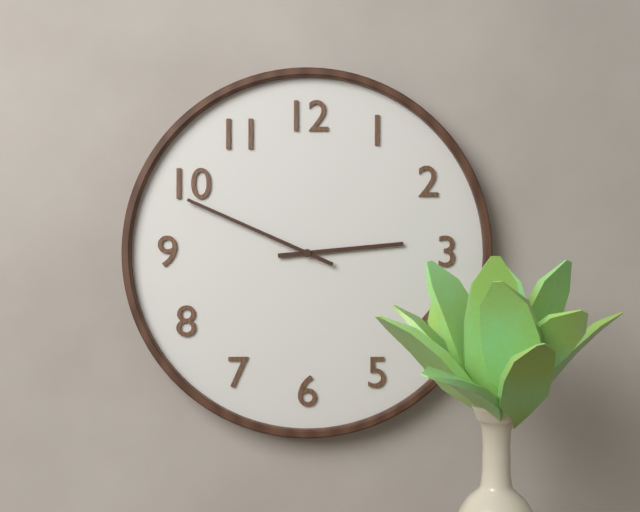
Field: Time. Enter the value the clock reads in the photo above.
2:49
